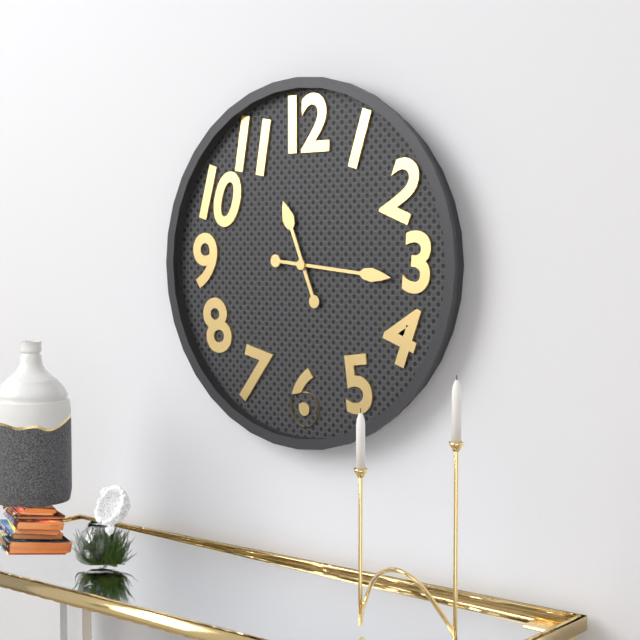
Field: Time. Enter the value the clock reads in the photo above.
11:16
